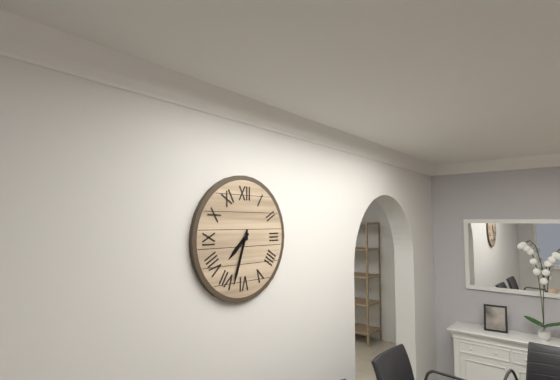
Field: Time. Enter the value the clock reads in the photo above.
7:33
